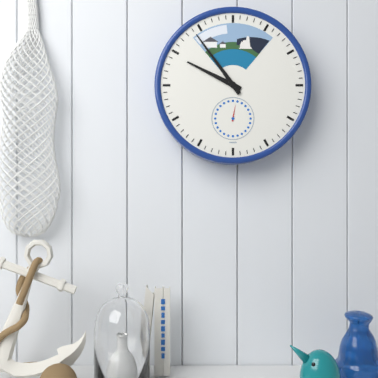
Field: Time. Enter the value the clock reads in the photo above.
9:54
